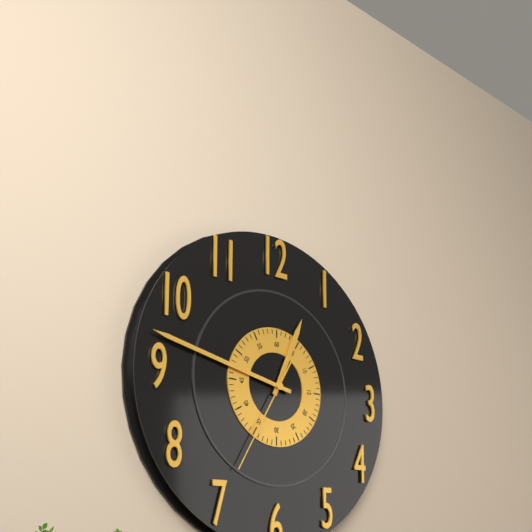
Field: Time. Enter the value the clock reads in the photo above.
12:47:35
